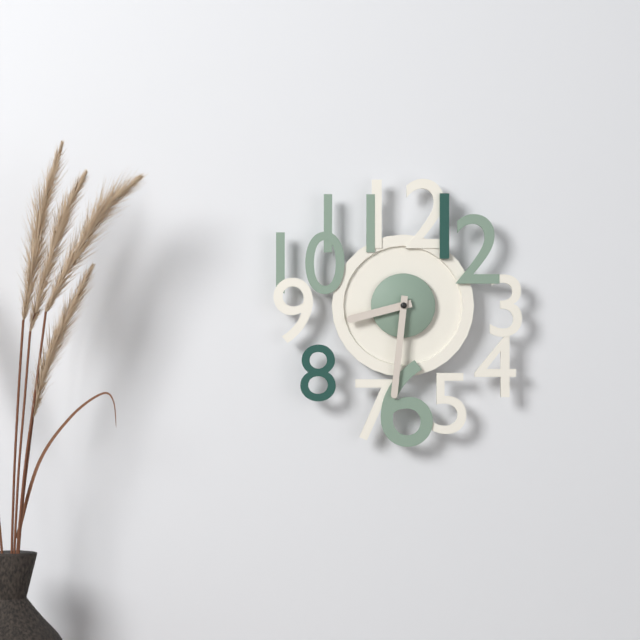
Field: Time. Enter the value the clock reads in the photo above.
8:31
